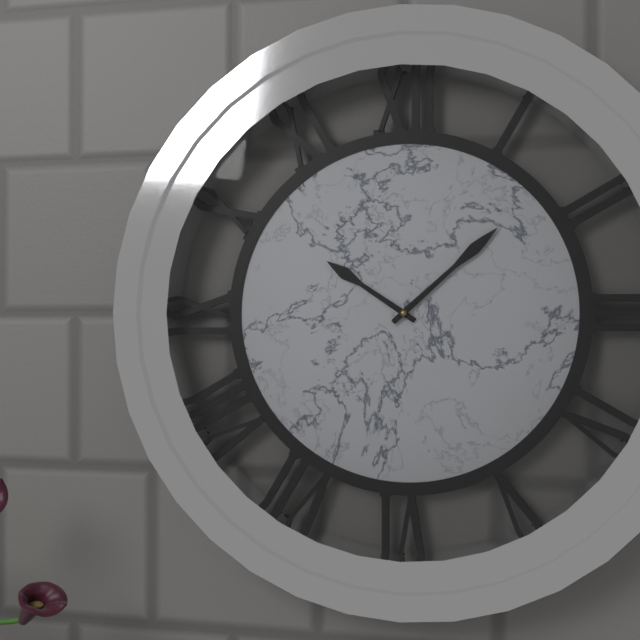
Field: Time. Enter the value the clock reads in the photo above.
10:08
